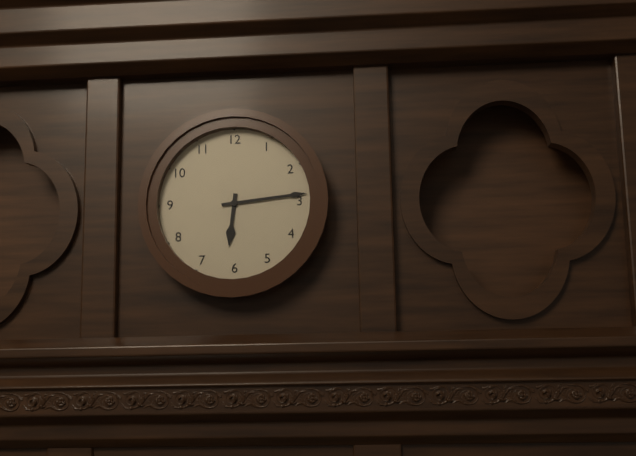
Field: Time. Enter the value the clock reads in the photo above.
6:14
